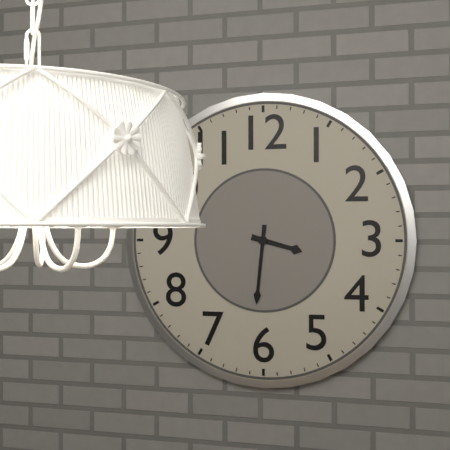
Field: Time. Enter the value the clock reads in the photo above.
3:31
